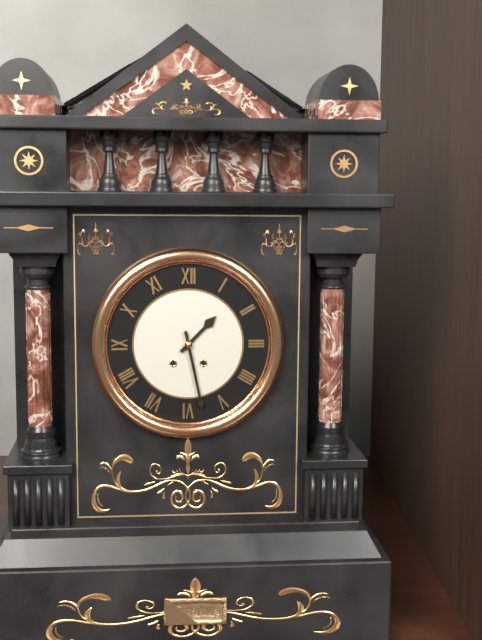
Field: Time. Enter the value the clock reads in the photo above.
1:28
